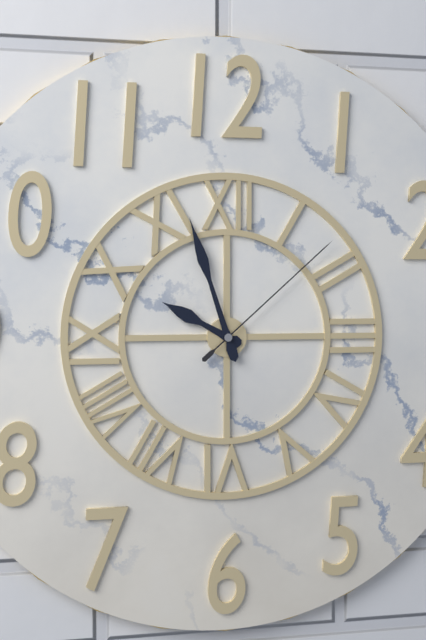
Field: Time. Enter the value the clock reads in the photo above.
9:57:08
